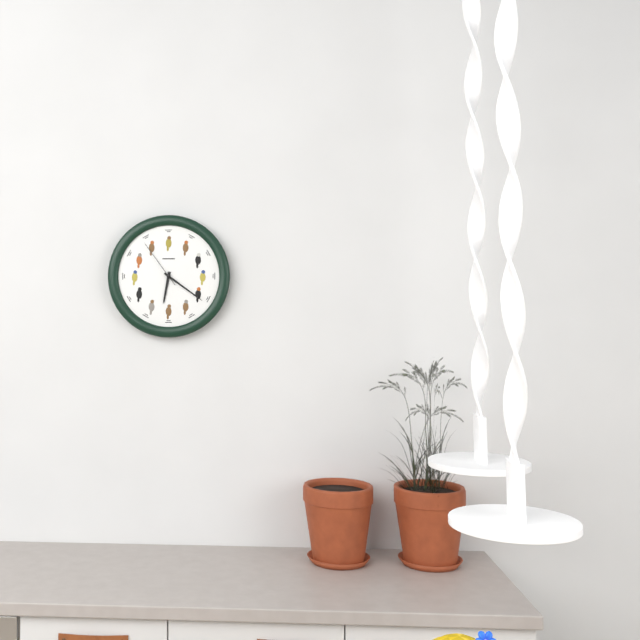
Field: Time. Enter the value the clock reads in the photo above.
6:21:54
